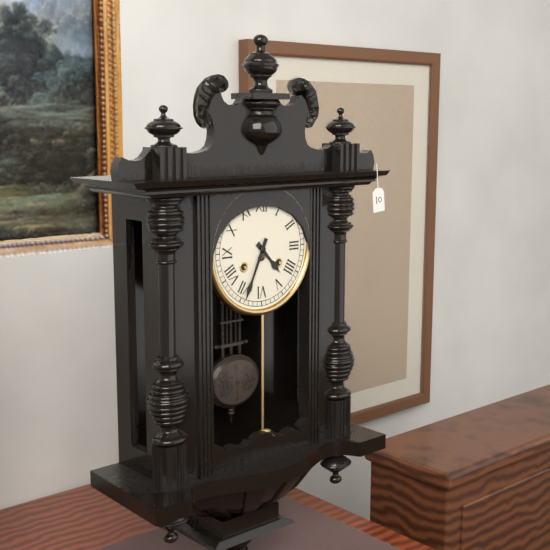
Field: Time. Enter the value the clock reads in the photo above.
4:34
